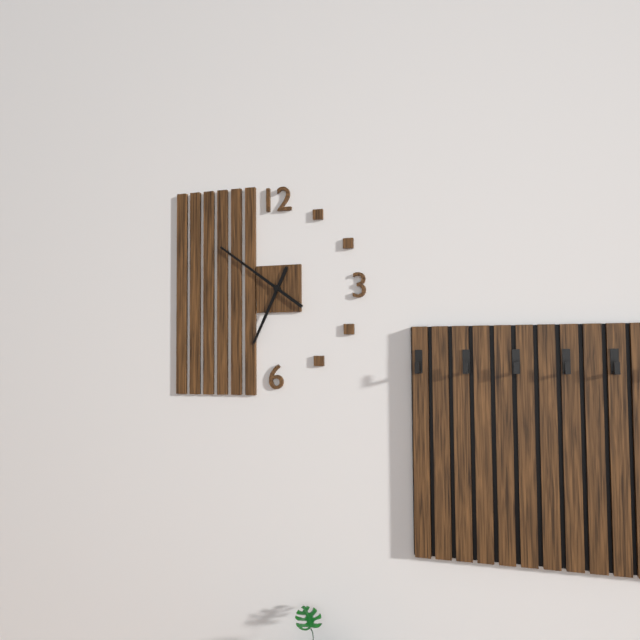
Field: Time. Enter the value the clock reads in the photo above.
6:51
